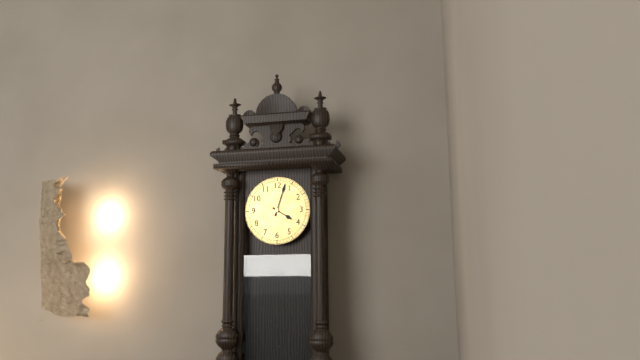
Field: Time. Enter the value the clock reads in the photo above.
4:03
